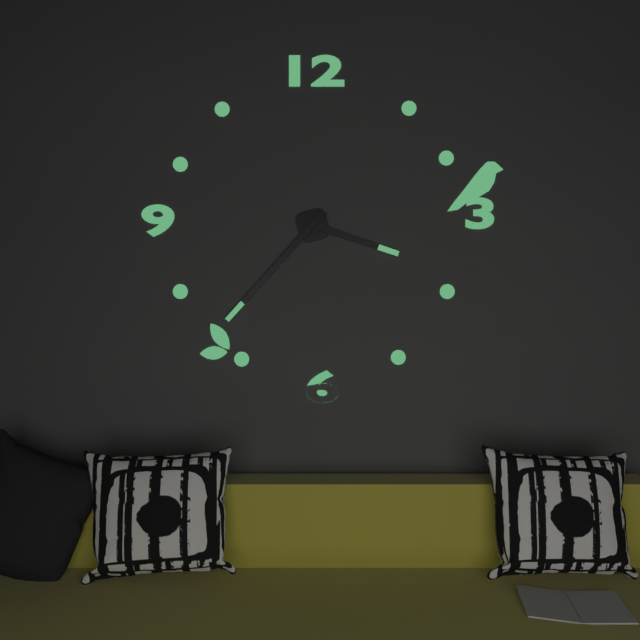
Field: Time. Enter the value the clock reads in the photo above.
3:37
